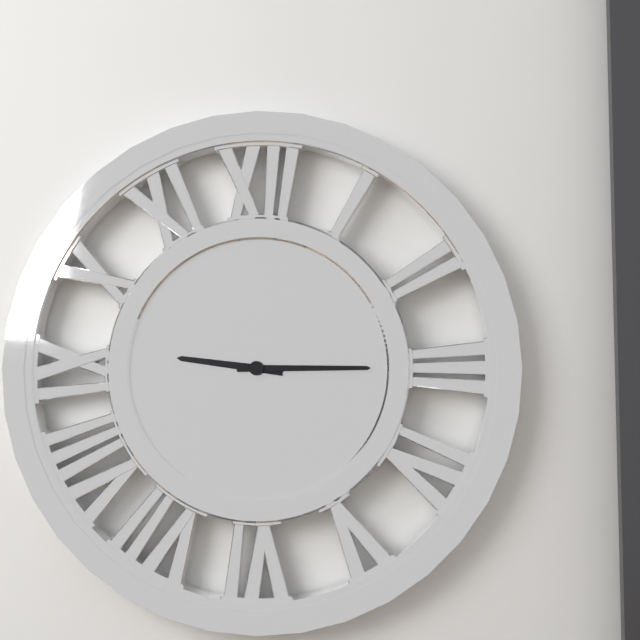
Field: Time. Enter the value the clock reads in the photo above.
9:15
